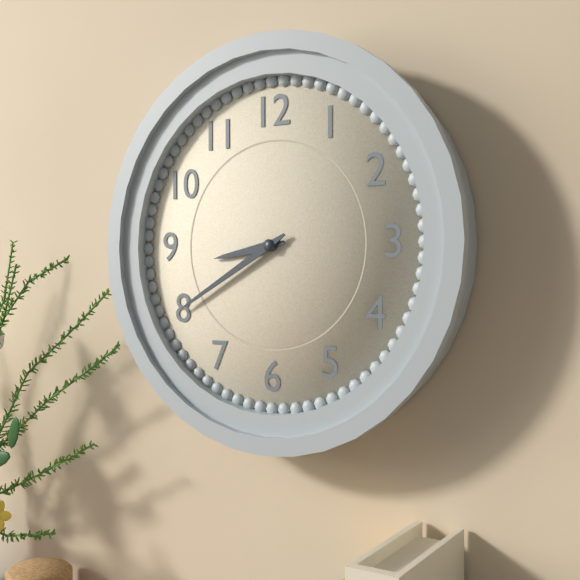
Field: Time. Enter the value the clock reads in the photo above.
8:40
